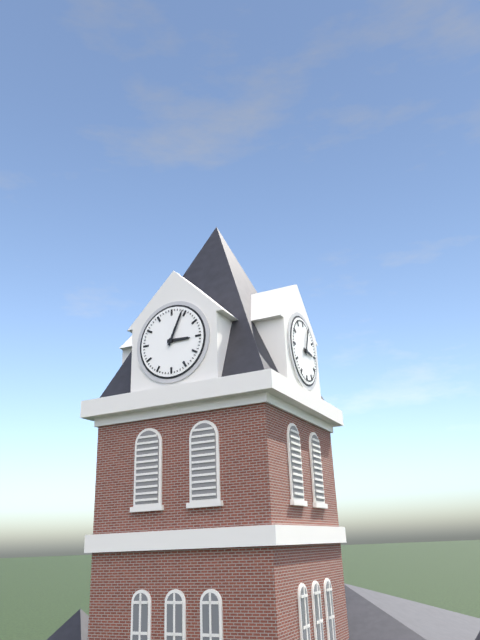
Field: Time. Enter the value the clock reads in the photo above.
3:04
